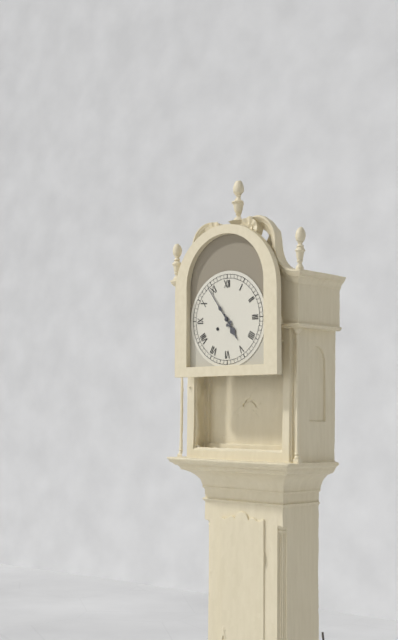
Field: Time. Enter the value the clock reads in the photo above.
4:54
